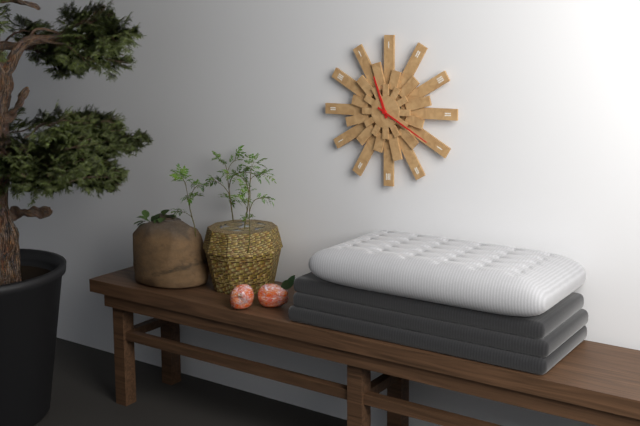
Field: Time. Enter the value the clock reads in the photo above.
11:20
